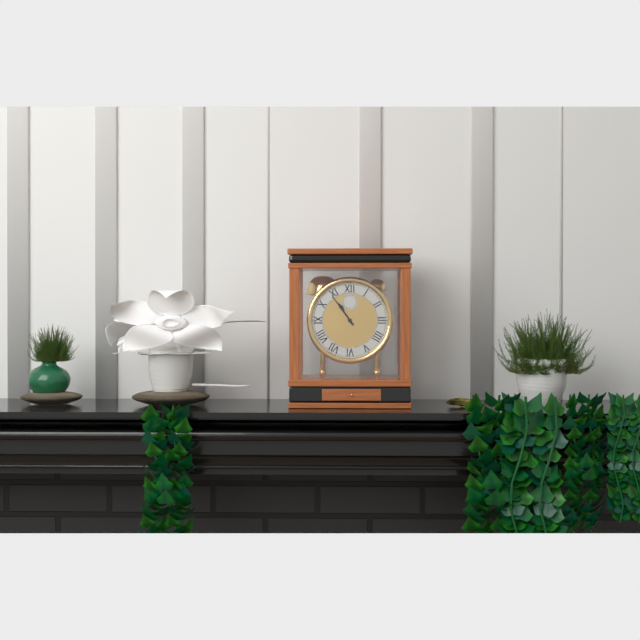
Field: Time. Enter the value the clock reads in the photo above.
10:54
